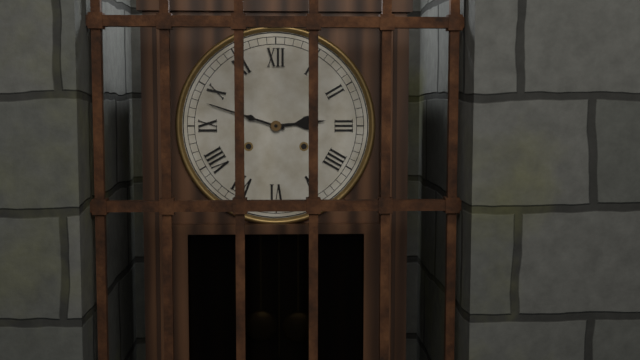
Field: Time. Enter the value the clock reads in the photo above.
2:48
